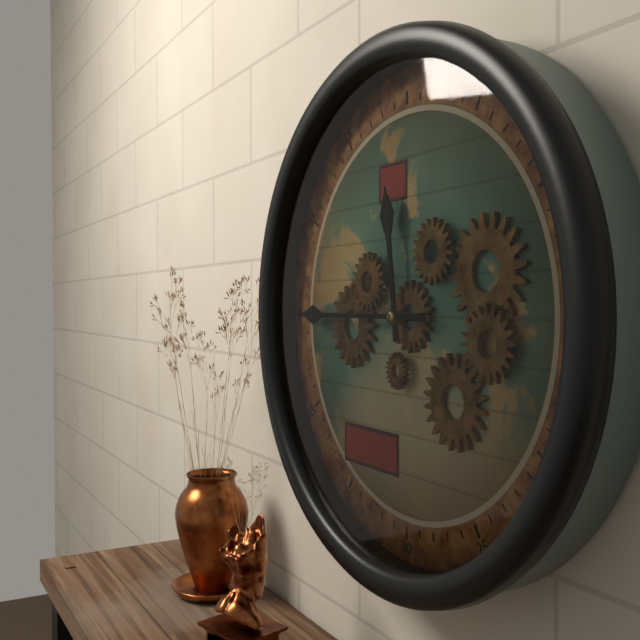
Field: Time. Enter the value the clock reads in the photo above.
11:45
